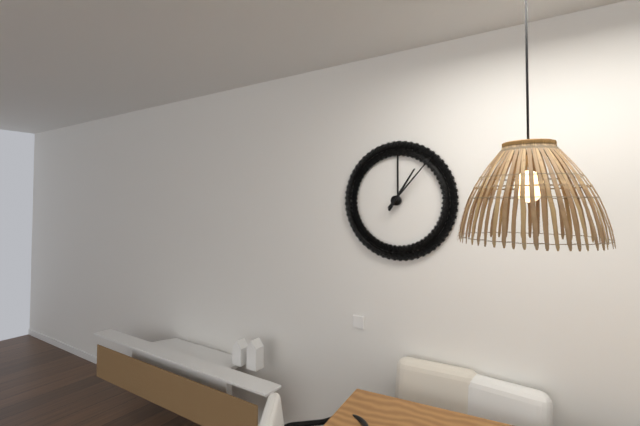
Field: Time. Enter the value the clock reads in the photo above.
1:07
